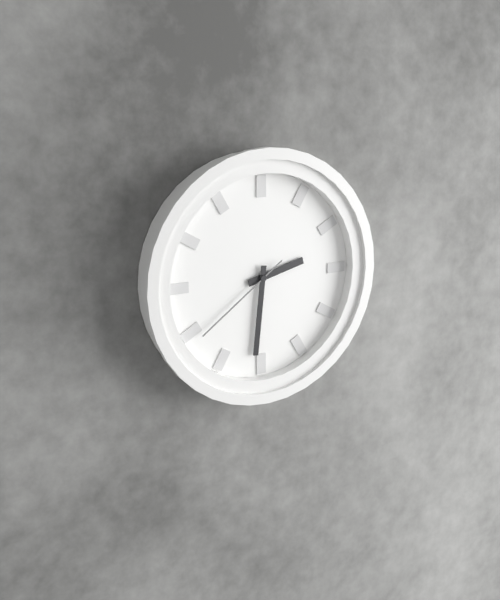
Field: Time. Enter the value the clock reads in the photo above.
2:31:39
